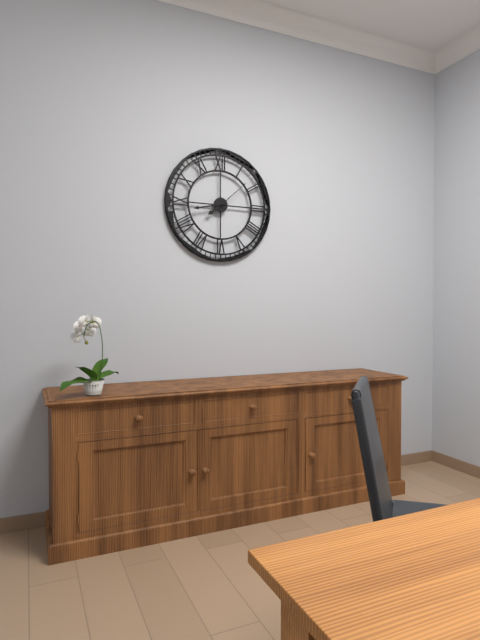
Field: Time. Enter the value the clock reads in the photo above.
7:43
